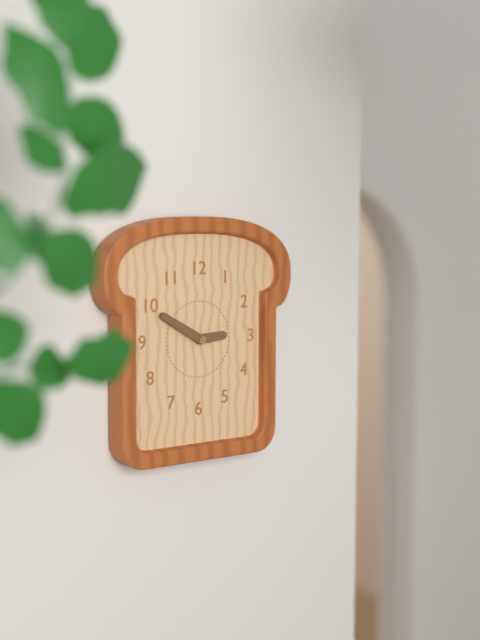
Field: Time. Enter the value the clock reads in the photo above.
2:50
